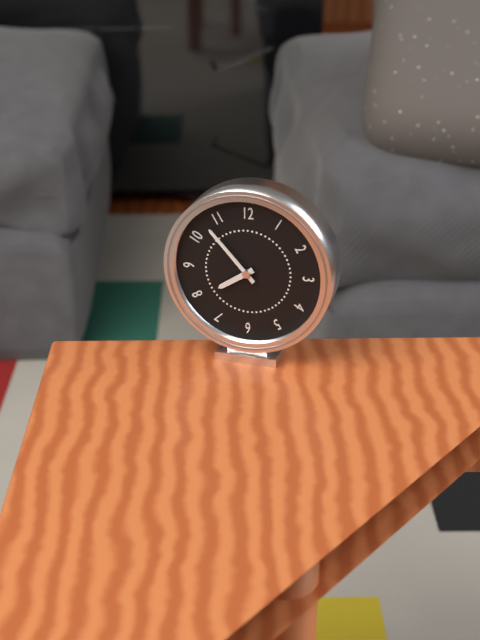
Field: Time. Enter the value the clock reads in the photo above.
7:53
